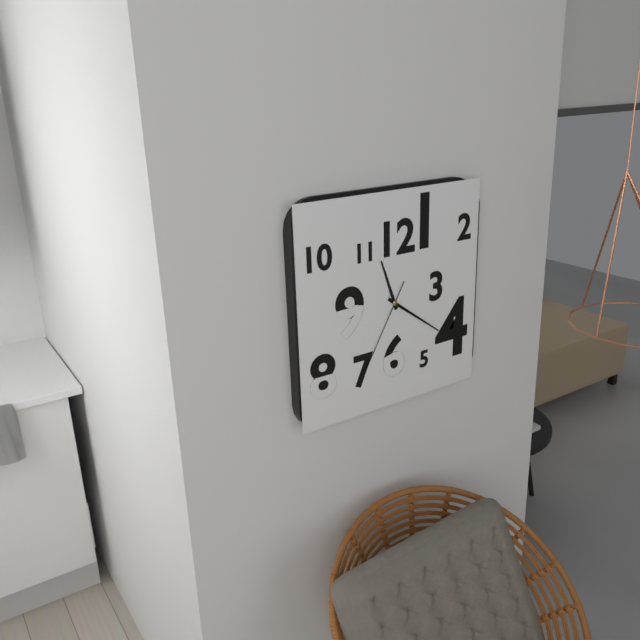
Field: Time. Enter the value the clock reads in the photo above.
11:21:35
